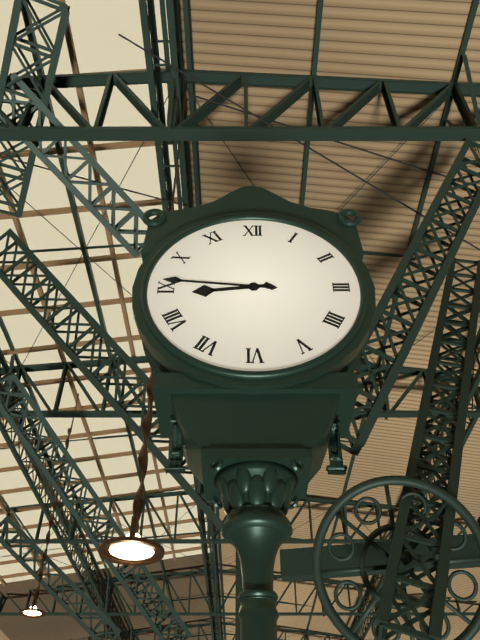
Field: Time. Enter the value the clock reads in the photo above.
8:46
